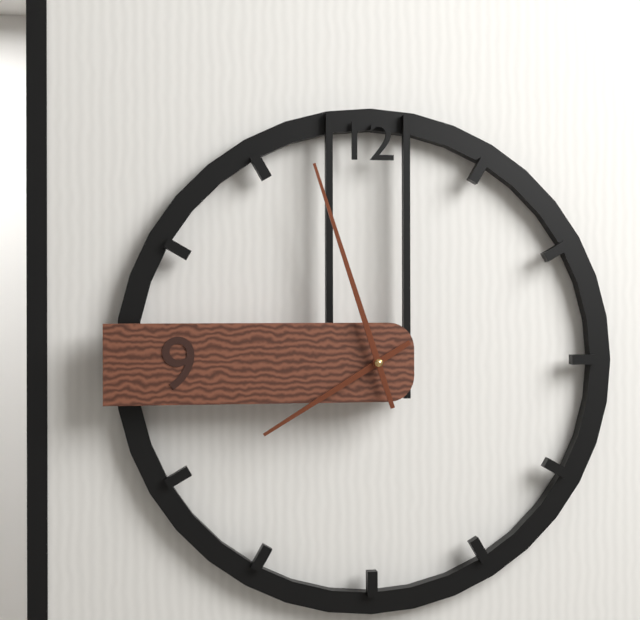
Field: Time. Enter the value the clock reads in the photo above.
7:57
